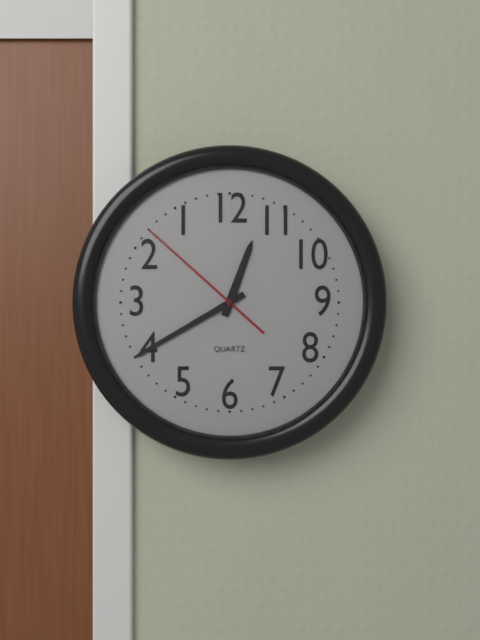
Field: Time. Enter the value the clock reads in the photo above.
12:40:52
